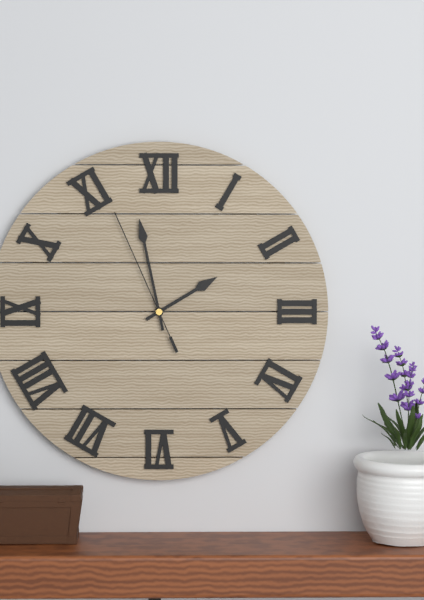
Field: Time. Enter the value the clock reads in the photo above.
1:58:56
